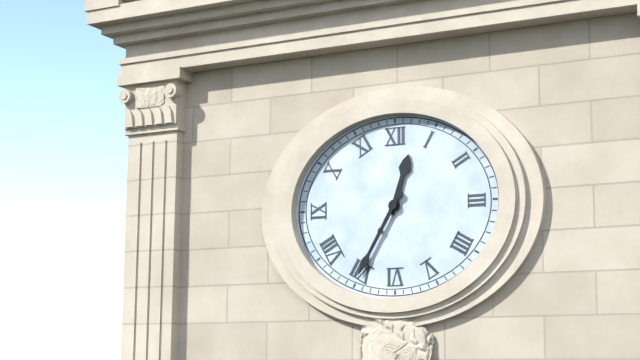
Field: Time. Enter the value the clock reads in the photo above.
12:35
